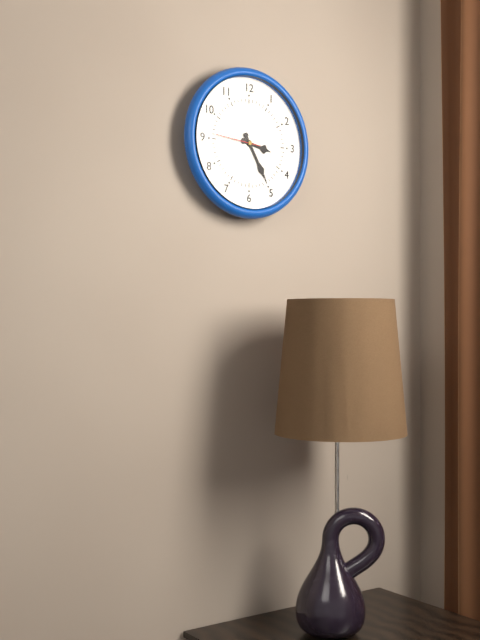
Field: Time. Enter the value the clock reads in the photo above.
3:25
